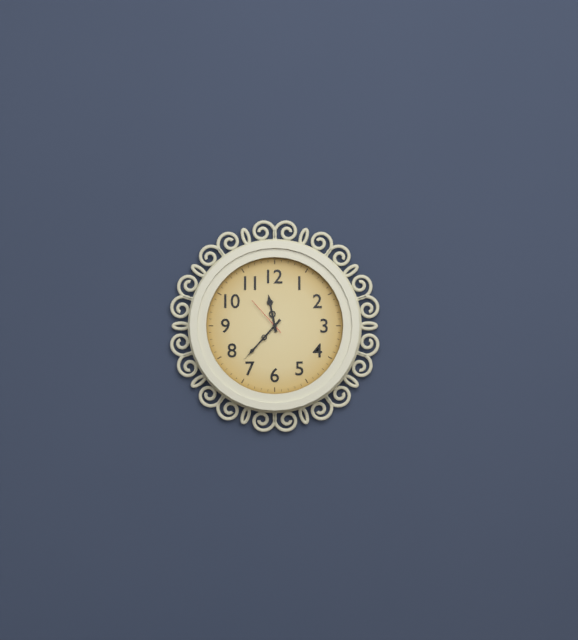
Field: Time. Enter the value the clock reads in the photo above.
11:37
